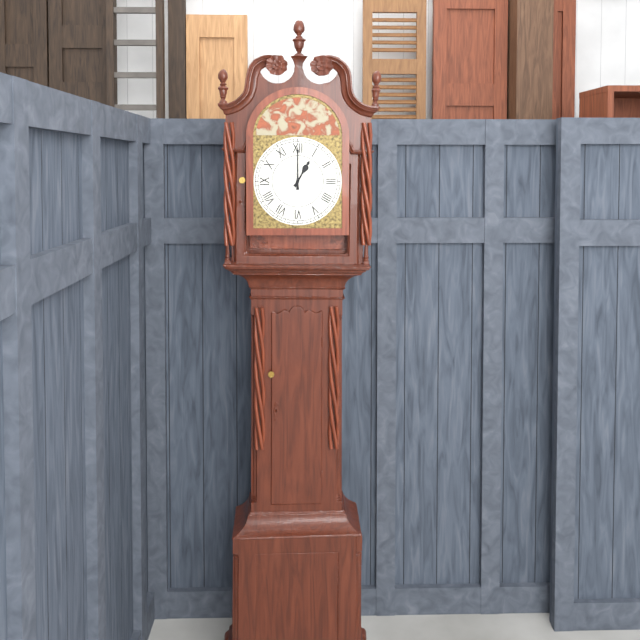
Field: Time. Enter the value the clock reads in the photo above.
1:00
